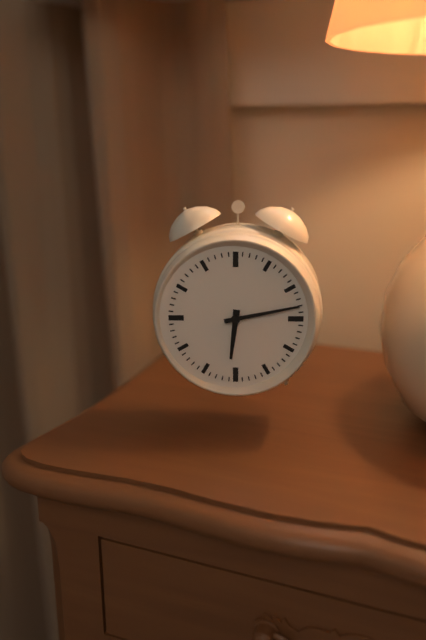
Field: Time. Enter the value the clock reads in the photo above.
6:13
